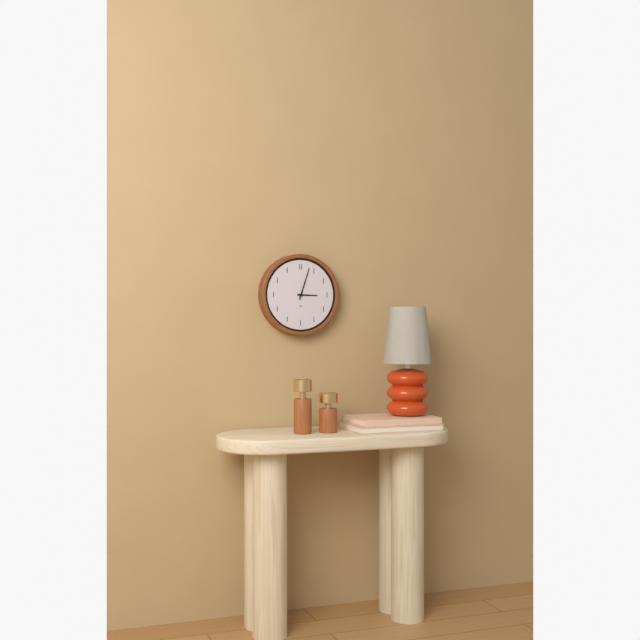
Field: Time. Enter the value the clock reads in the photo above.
3:03
